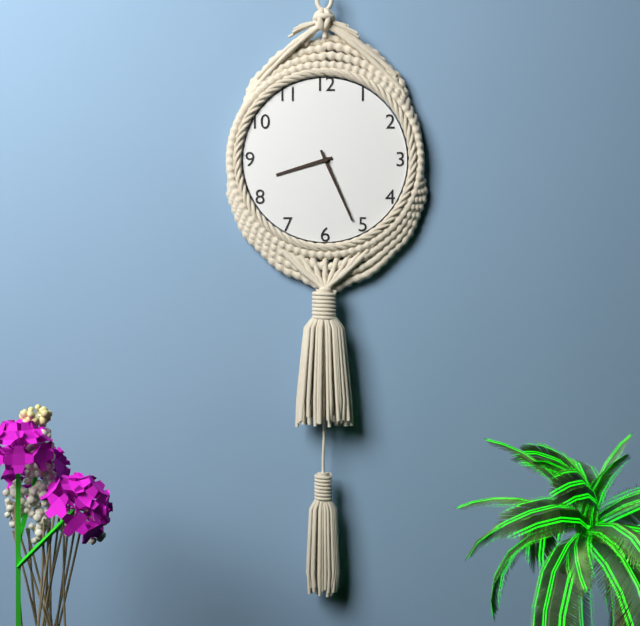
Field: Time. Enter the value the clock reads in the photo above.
8:26
